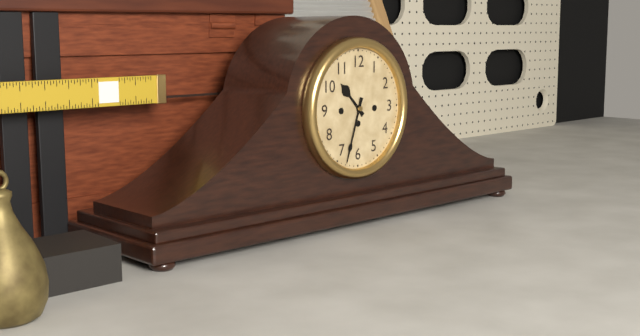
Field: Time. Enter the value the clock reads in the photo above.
10:33
